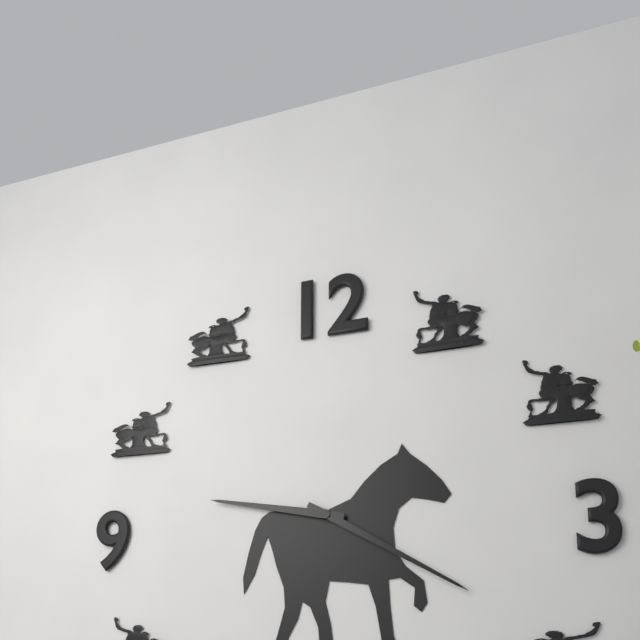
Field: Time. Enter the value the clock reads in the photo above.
9:20
